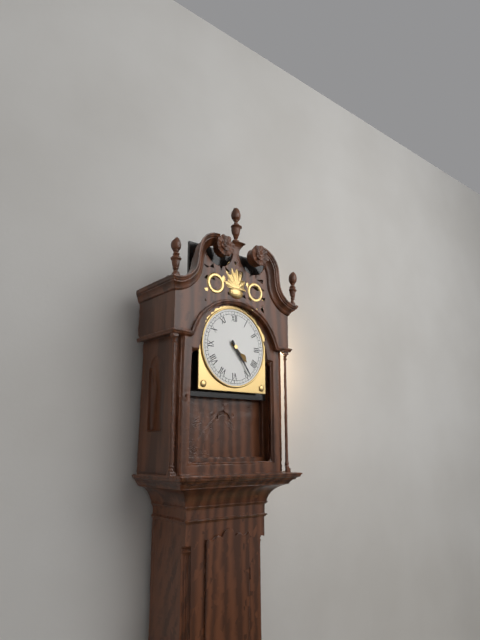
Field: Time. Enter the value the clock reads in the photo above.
4:24
